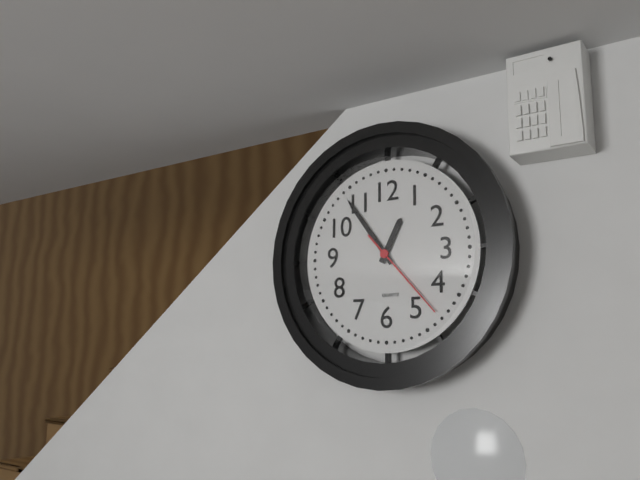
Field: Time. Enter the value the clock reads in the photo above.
12:54:23
